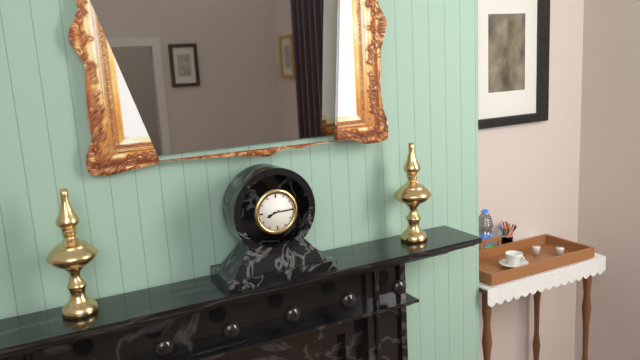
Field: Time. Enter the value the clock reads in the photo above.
8:15
